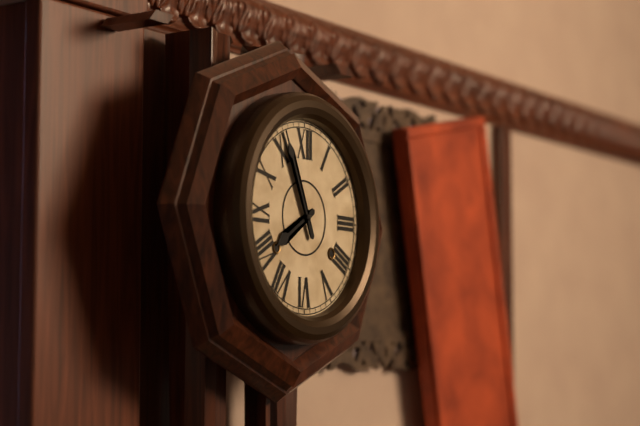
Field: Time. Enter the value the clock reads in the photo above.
7:56
